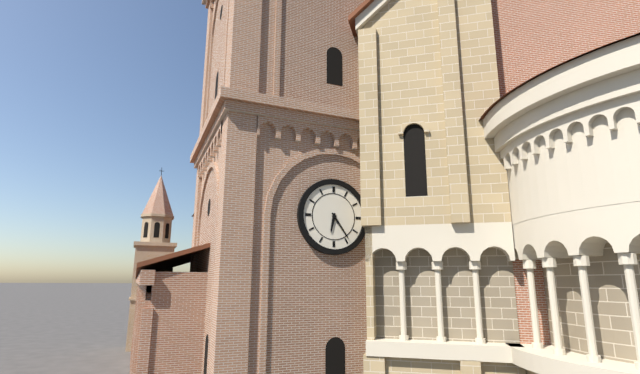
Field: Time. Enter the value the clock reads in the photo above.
6:24
